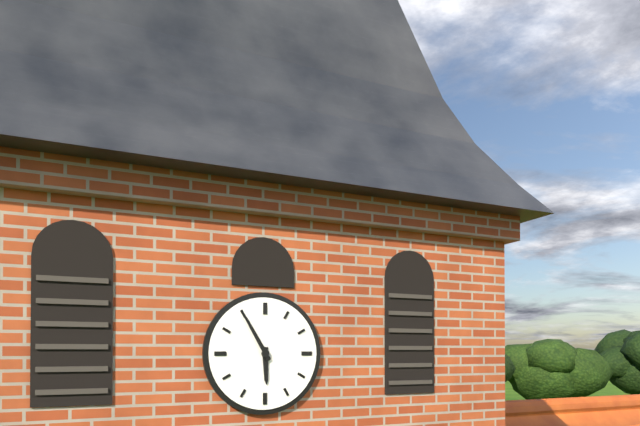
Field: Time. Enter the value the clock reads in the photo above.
5:55
